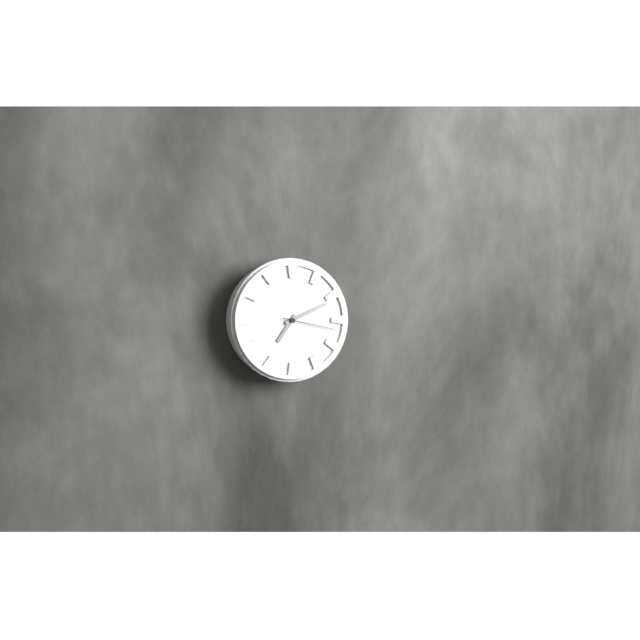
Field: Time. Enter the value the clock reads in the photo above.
7:11:17
